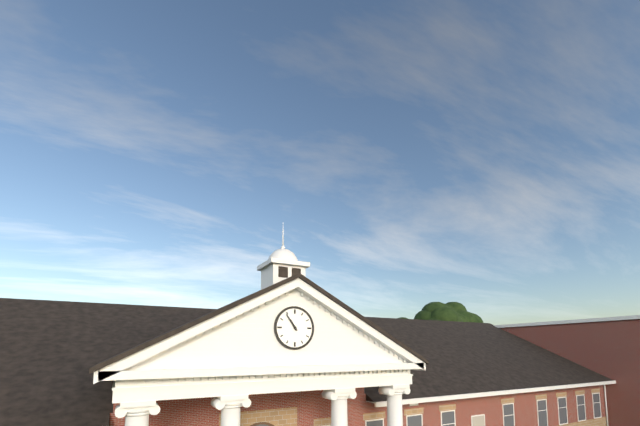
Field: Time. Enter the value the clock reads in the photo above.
10:54
